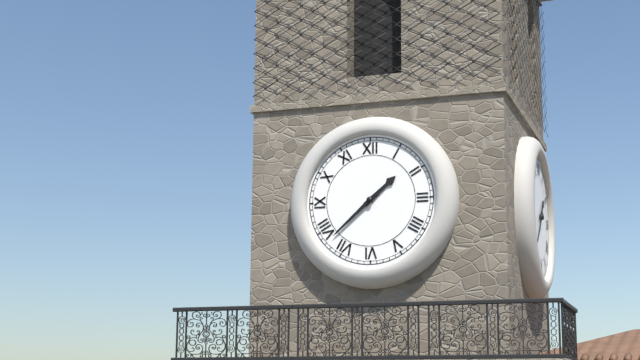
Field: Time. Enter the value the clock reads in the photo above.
1:38
